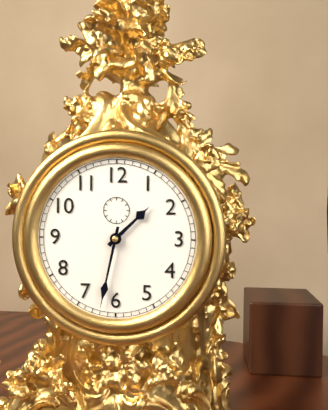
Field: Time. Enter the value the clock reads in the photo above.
1:32
